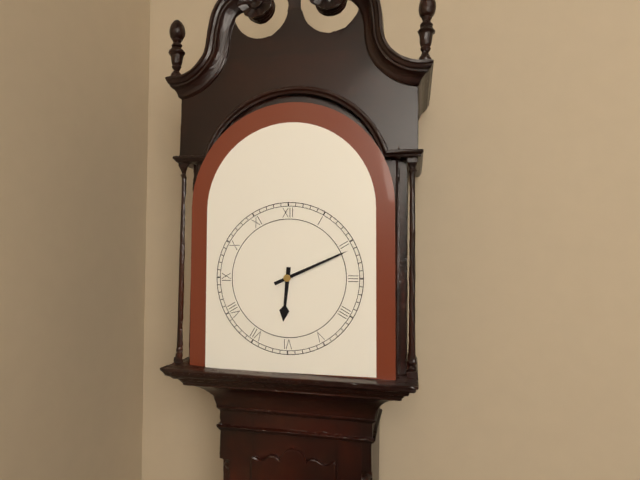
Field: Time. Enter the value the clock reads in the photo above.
6:11
